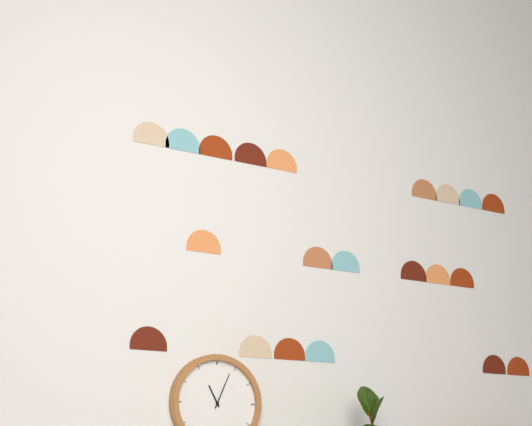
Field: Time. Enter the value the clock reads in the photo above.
11:04
